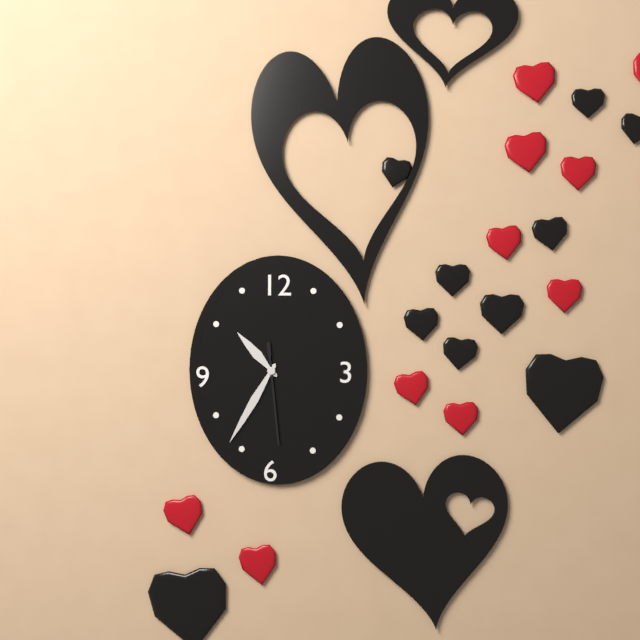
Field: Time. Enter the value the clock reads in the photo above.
10:35:29
